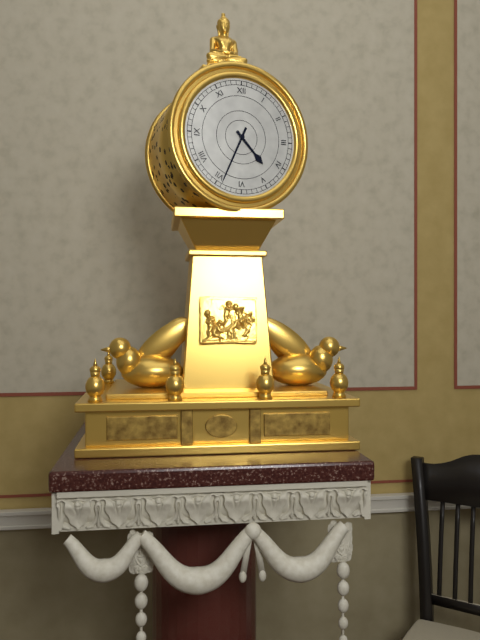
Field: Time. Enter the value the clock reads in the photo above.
4:34
